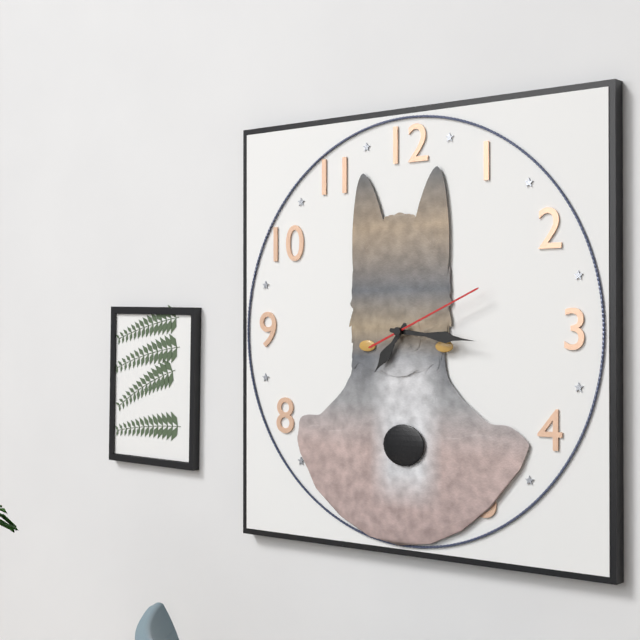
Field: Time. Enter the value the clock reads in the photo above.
7:16:11
